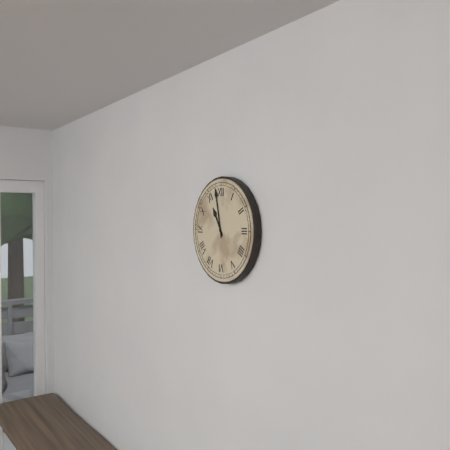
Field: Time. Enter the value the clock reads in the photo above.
10:58
